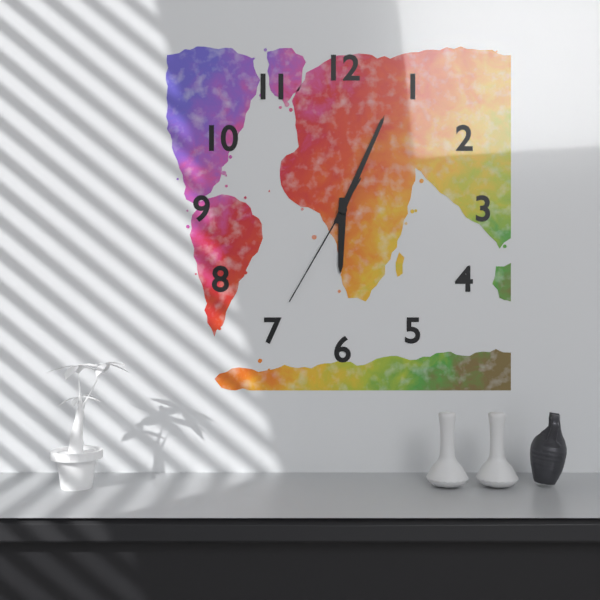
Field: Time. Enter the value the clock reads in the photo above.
6:04:35
